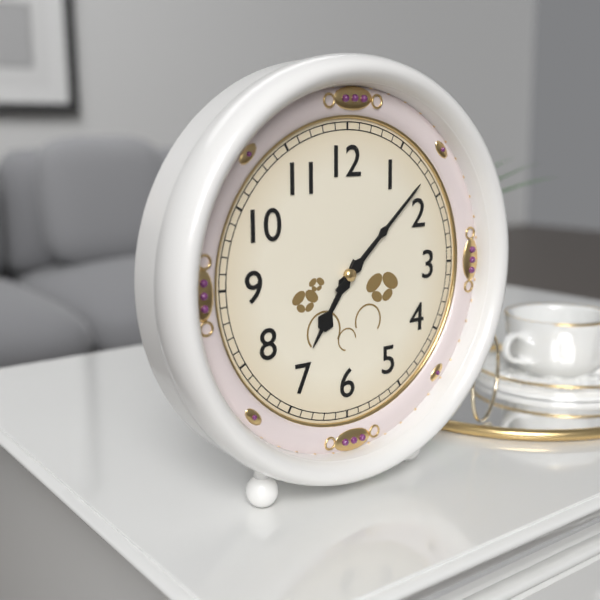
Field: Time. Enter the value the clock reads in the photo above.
7:08
